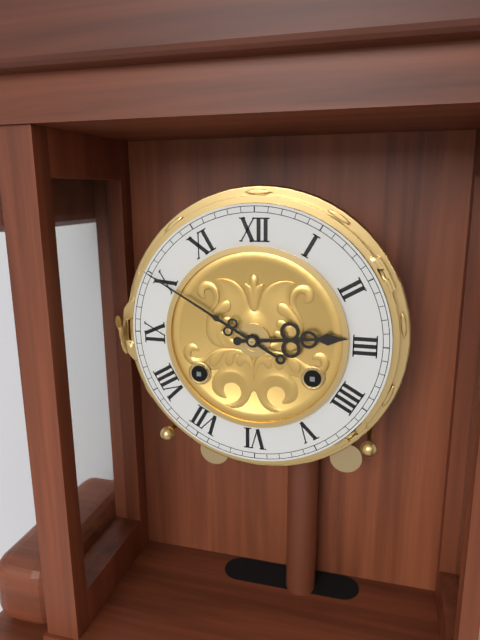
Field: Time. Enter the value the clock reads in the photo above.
2:50
